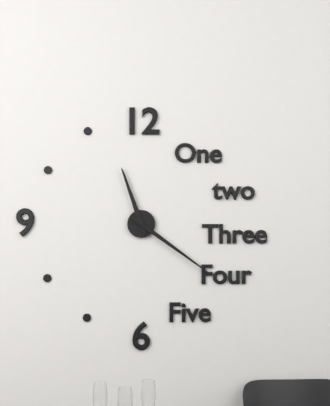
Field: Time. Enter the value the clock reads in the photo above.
11:21
